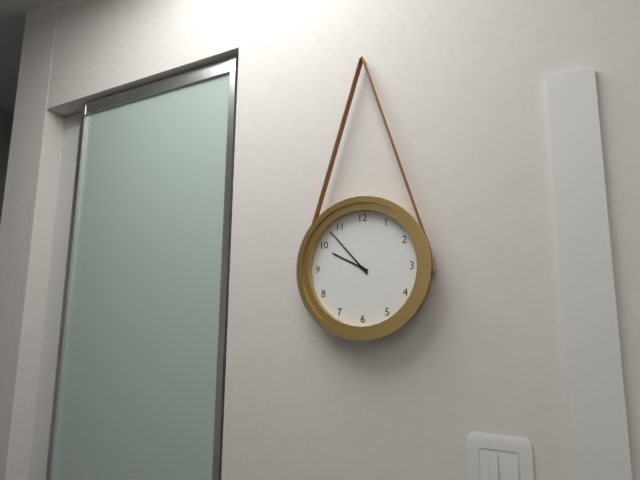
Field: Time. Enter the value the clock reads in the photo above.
9:53
